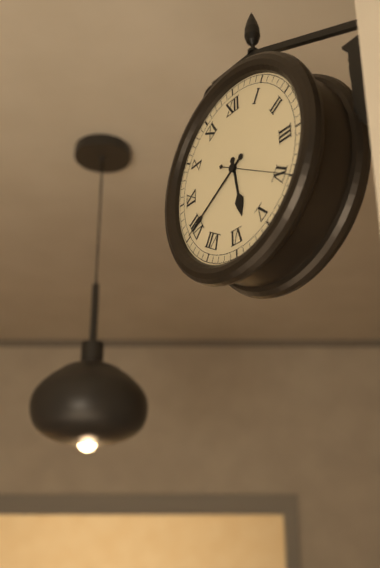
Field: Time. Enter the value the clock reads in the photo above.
5:40:20
